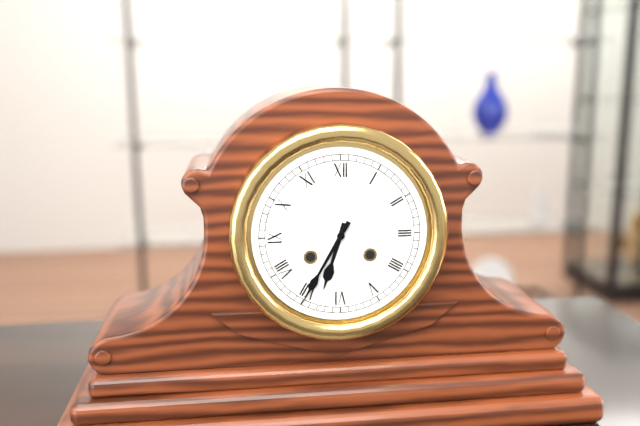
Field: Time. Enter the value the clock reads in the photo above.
6:35
